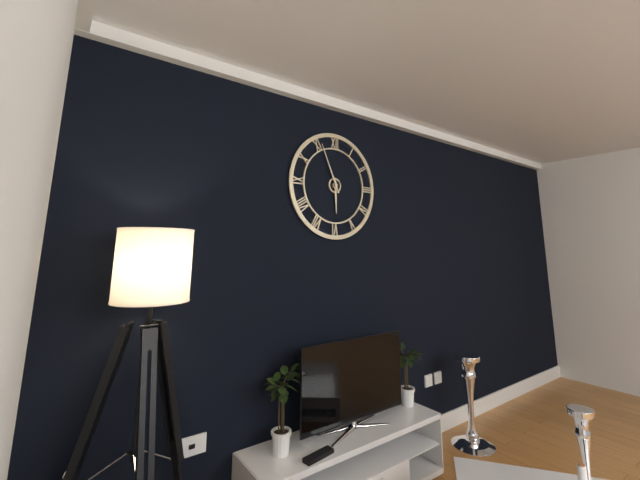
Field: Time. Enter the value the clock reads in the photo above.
5:56
